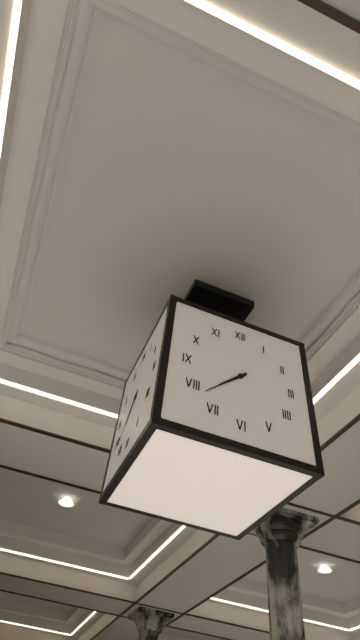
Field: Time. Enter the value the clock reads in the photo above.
7:38
